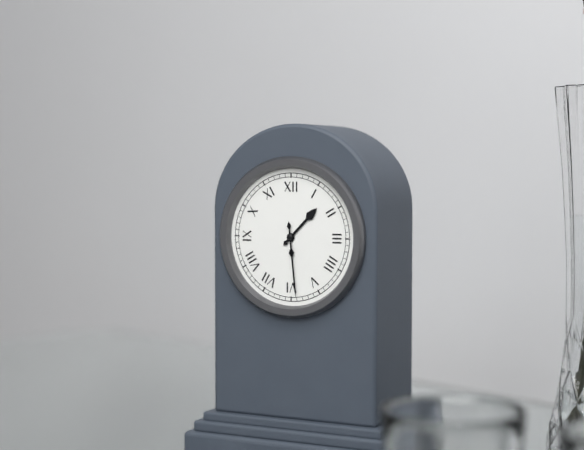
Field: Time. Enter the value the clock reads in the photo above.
1:29
